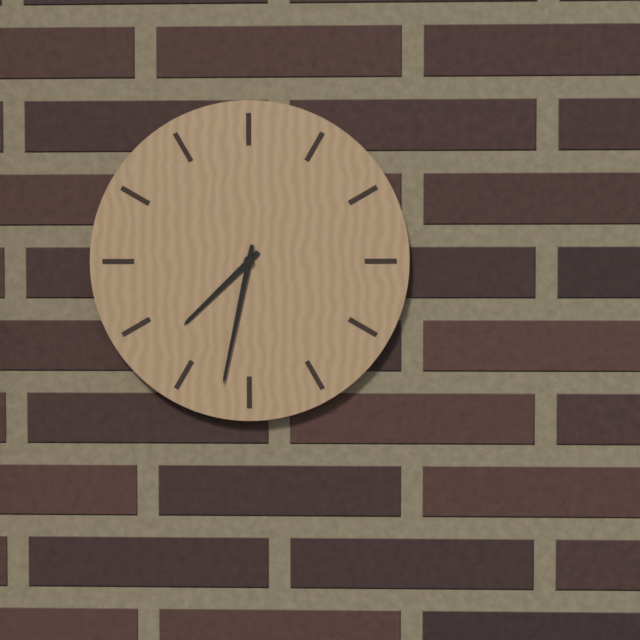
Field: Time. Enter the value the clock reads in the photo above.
7:32
